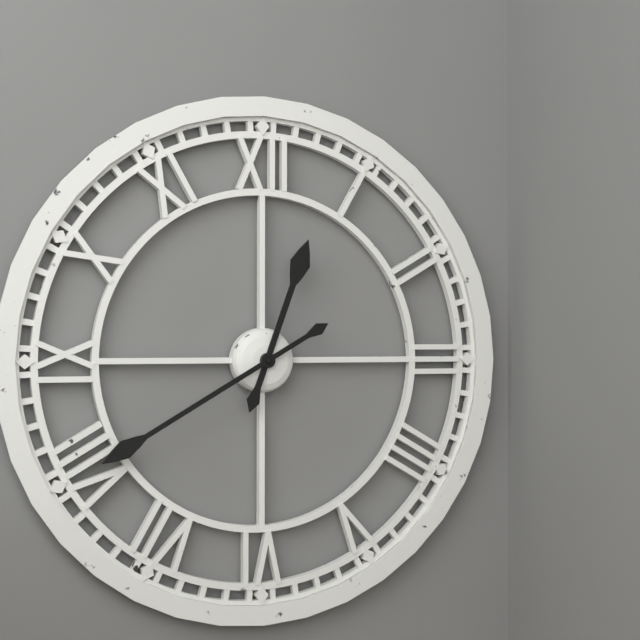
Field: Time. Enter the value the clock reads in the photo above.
12:40
